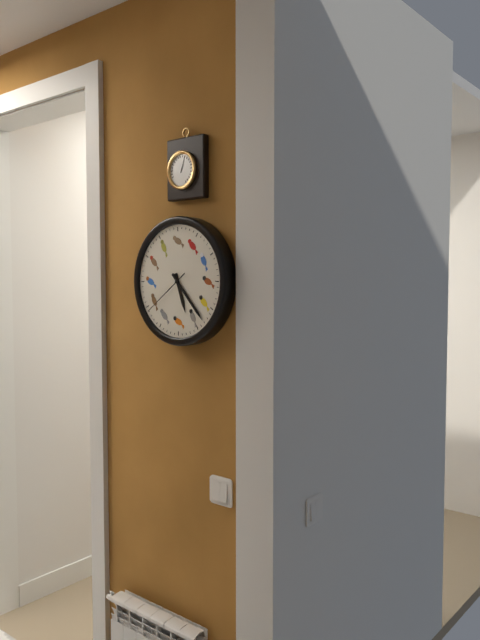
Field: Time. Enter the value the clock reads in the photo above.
5:23:39
